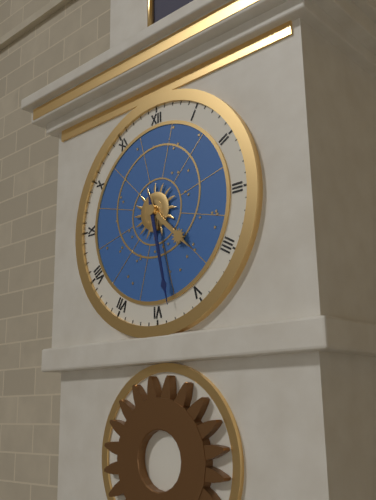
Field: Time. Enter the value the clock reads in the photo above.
4:28
